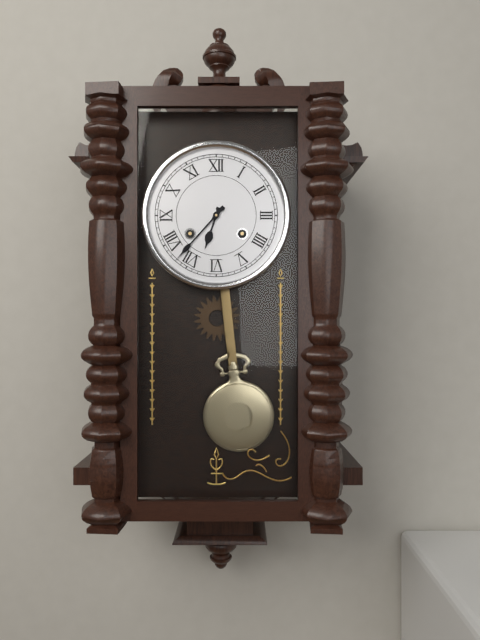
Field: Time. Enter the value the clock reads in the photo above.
6:37
